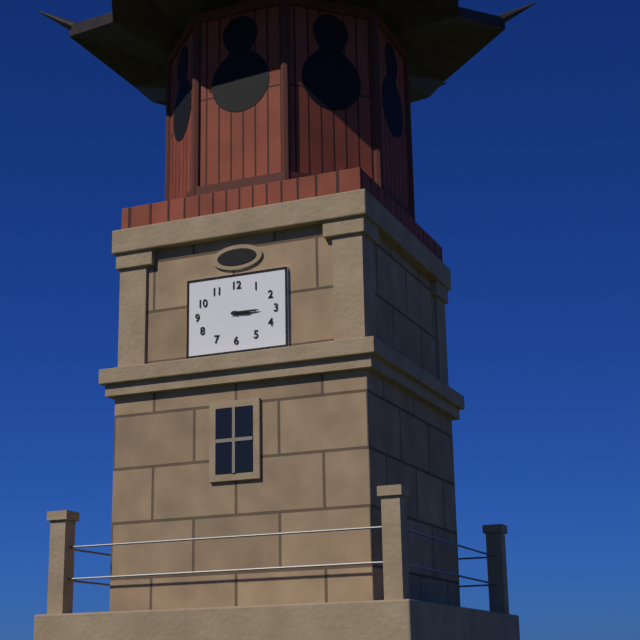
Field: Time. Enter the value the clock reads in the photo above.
3:15
